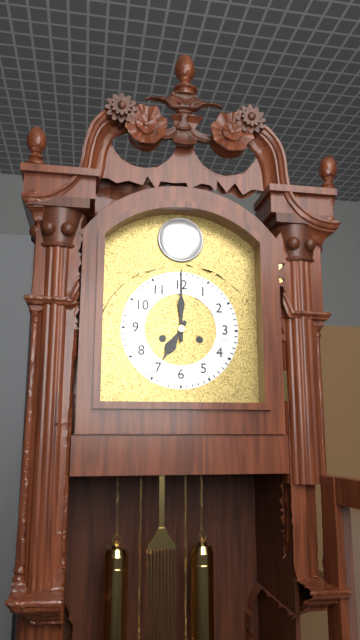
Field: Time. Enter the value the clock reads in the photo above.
7:00
